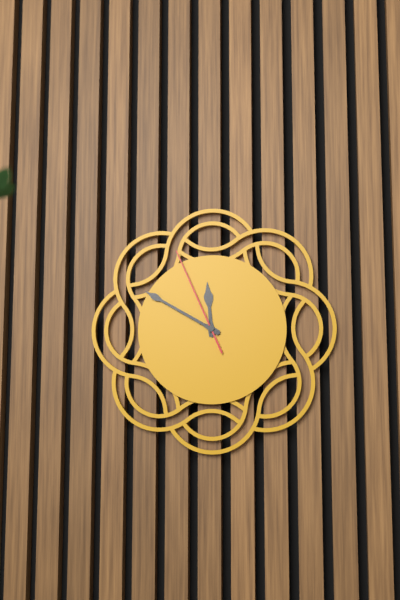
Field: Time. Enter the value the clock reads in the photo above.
11:50:56
